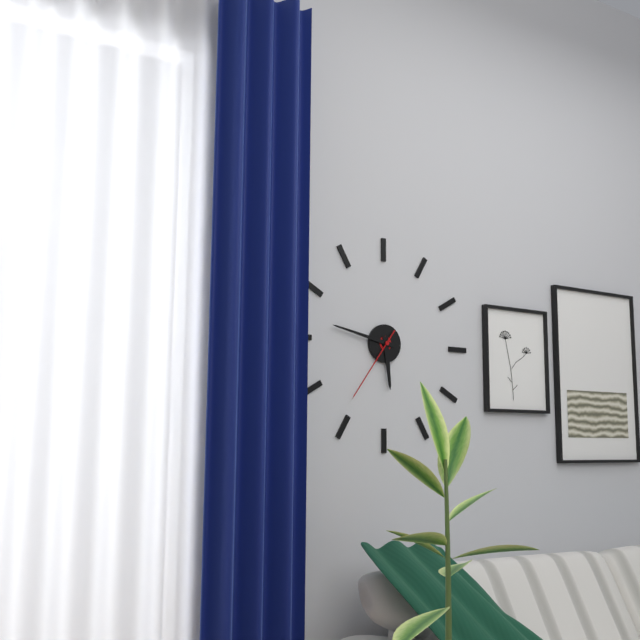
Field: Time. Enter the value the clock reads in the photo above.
5:47:36
